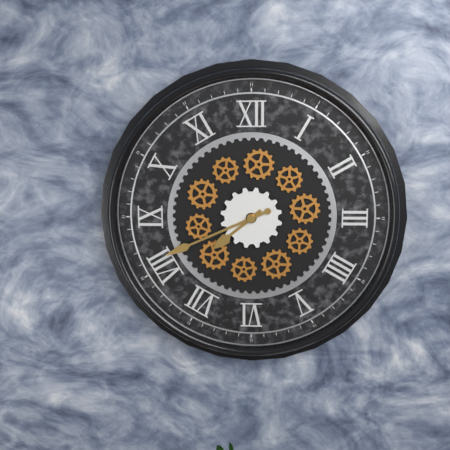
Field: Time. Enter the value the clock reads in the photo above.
7:41
